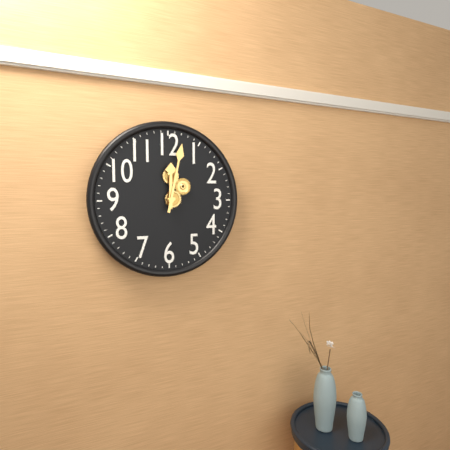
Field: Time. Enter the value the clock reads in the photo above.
12:02
